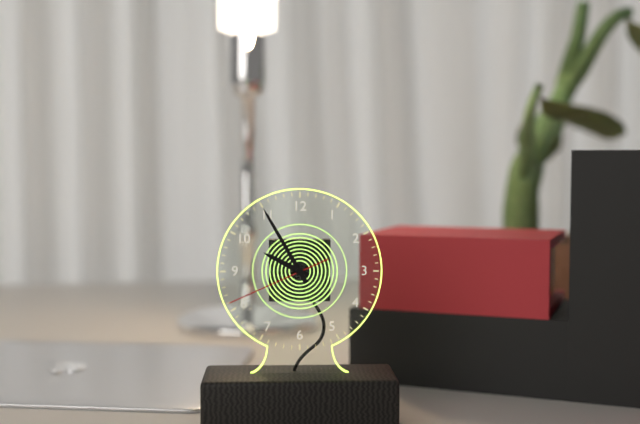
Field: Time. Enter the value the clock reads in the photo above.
9:55:41
